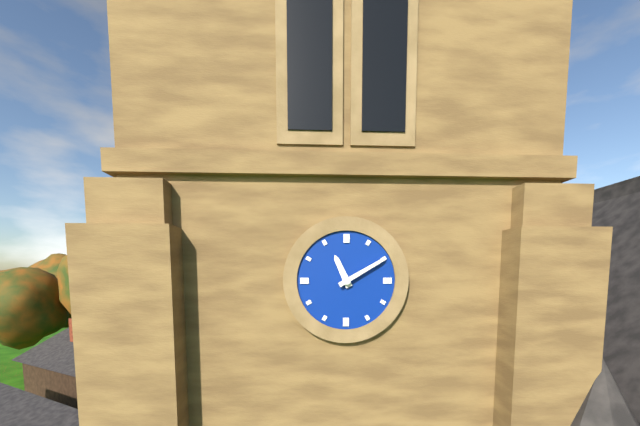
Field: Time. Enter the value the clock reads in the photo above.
11:10
